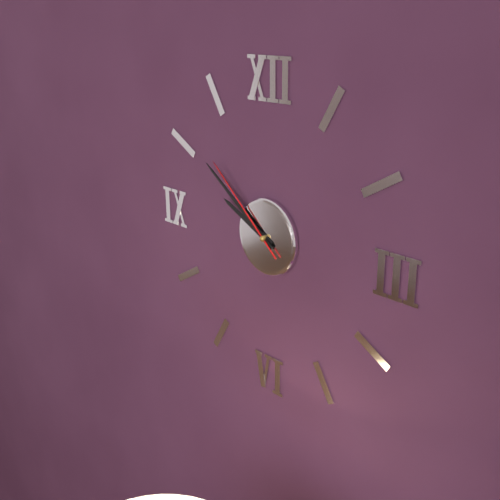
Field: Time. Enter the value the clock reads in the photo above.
9:51:52
